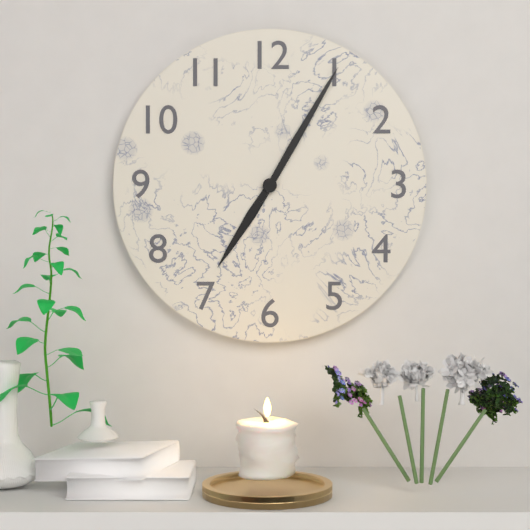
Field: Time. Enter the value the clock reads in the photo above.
7:05
